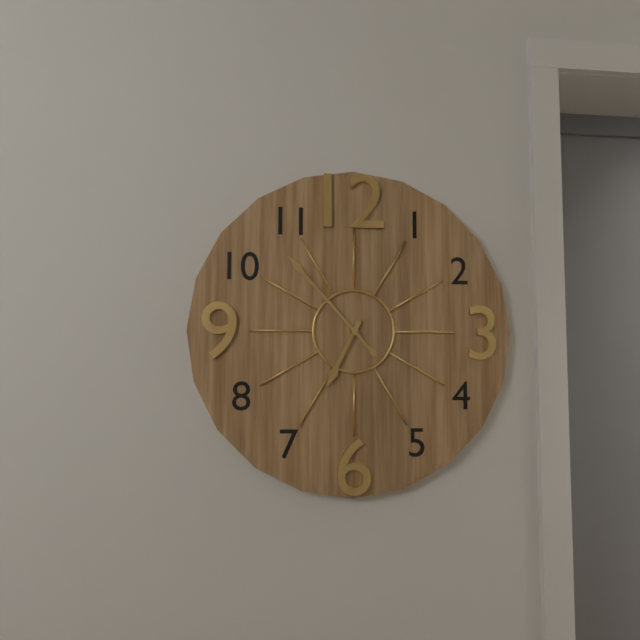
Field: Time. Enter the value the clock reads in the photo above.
6:53
